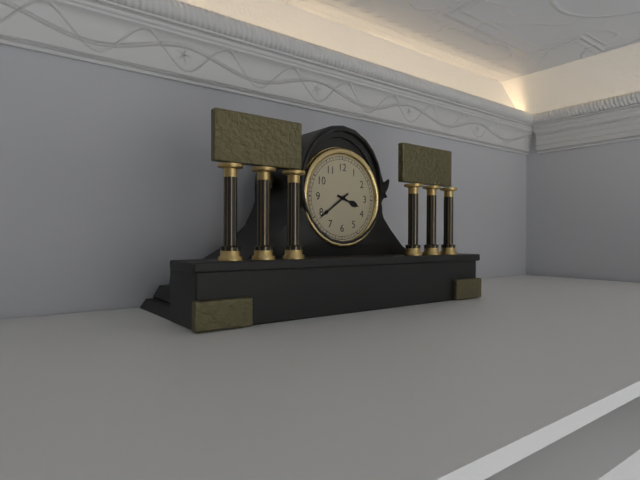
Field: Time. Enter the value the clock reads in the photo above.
3:39
